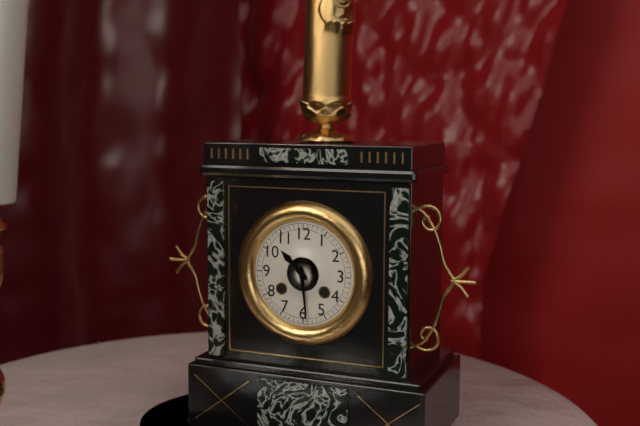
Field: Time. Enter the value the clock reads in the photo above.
10:29
